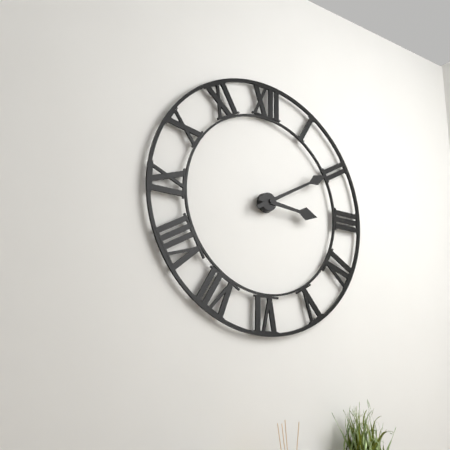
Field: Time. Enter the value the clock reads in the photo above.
3:10
